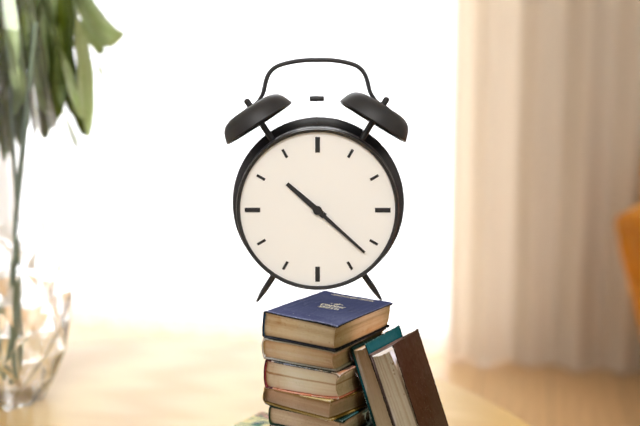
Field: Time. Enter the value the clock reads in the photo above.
10:22
